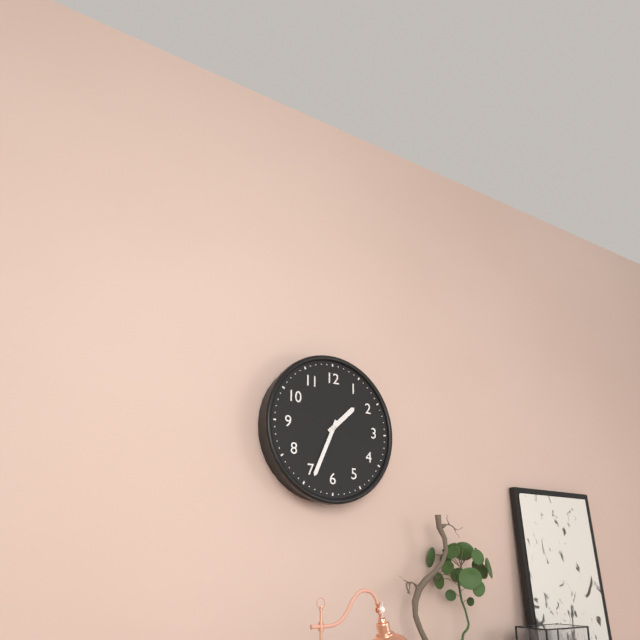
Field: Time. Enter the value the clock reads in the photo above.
1:34
